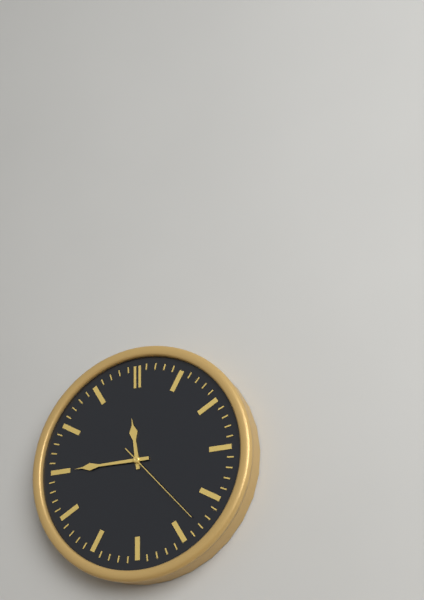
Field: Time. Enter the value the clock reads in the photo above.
11:45:23
